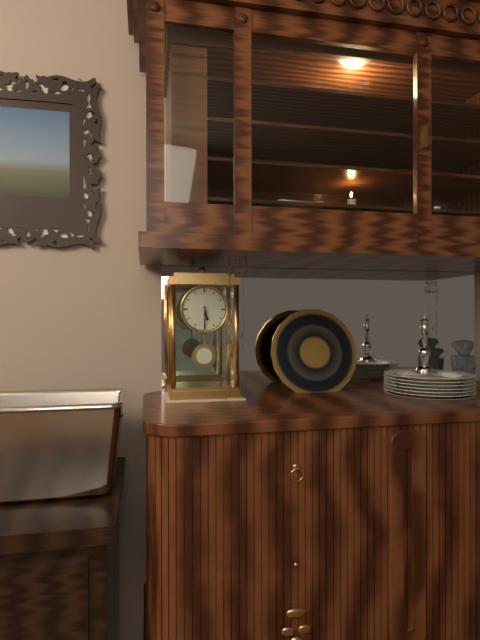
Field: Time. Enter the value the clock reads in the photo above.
5:30
